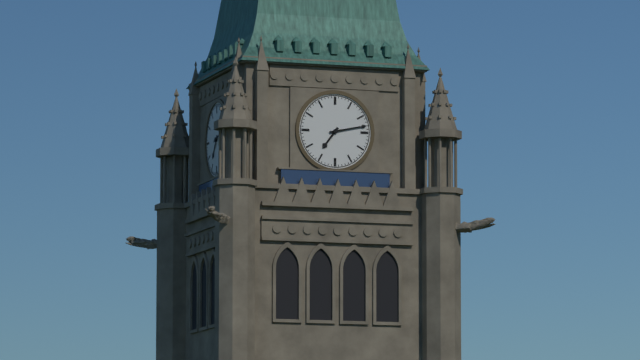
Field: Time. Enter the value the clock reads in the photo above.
7:13
